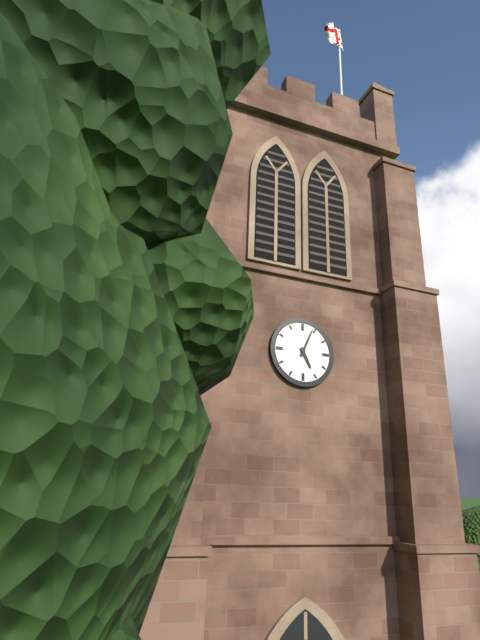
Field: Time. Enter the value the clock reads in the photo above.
5:04
